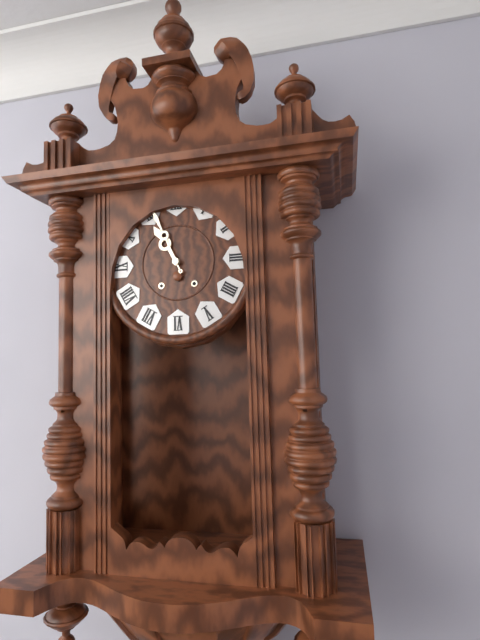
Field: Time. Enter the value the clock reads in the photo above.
10:56
